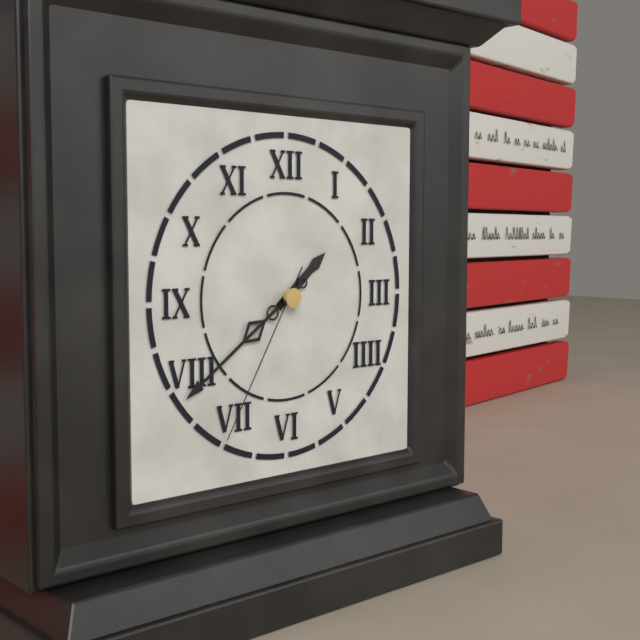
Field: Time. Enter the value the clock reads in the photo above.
1:39:35
